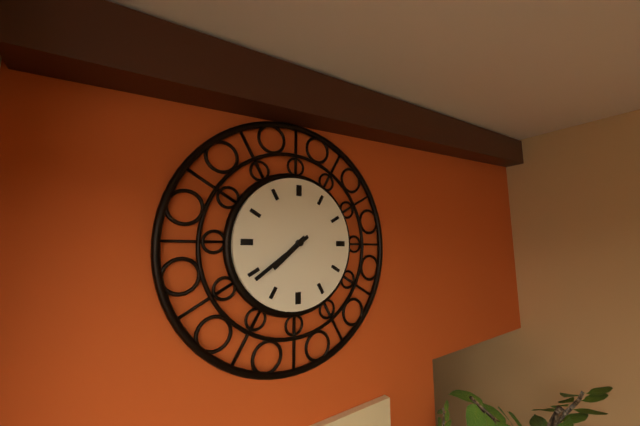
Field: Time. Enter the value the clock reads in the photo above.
7:39
